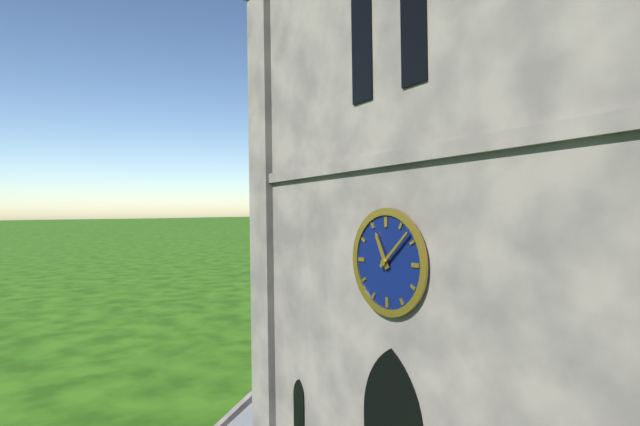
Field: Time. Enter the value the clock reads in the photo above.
11:08
